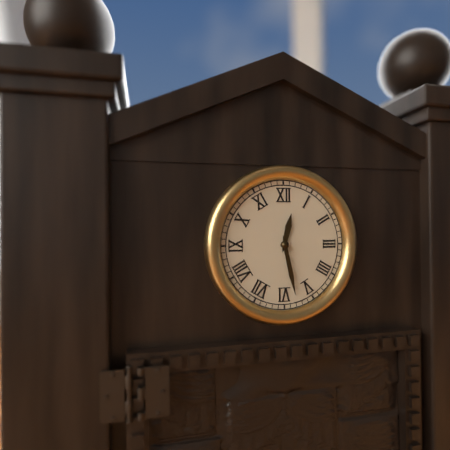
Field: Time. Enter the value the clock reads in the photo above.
12:28
